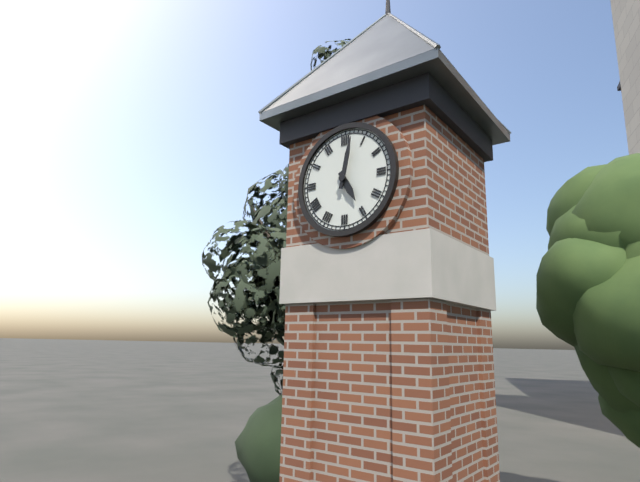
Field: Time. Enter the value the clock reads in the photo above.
5:02
